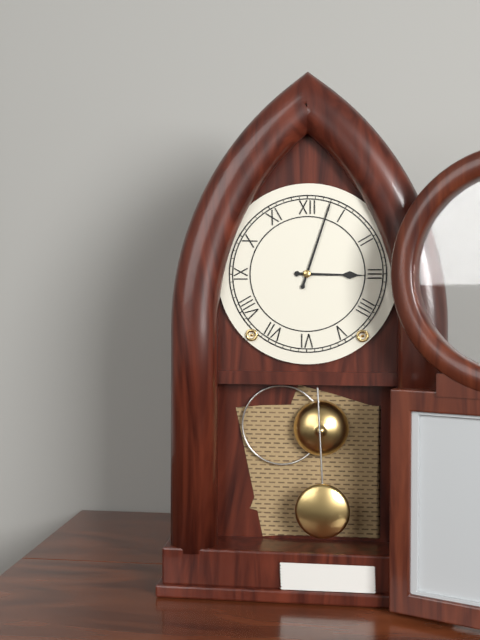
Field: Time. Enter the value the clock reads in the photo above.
3:03
